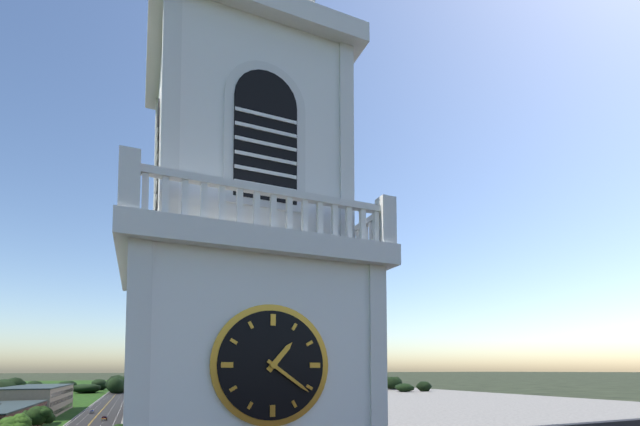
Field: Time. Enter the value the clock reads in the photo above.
1:21
